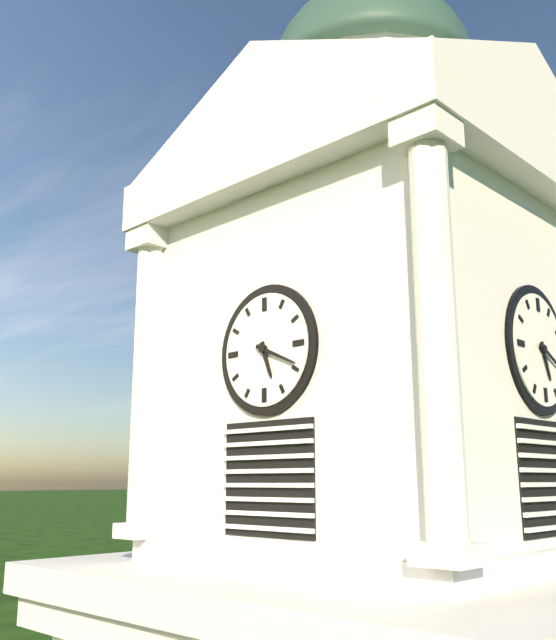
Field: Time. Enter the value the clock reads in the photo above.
5:19
